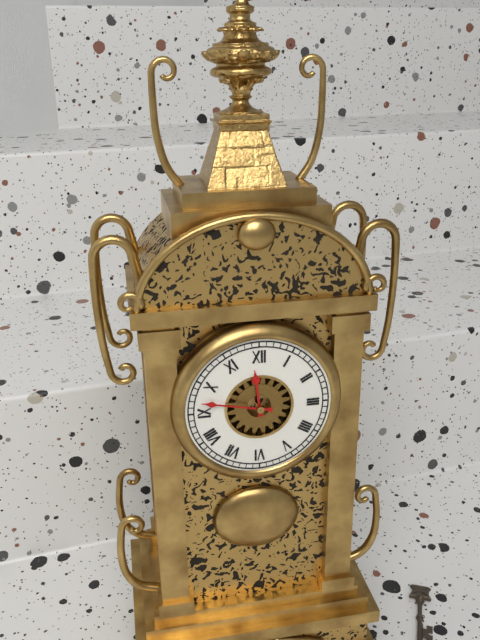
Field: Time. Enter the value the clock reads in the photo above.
11:47
